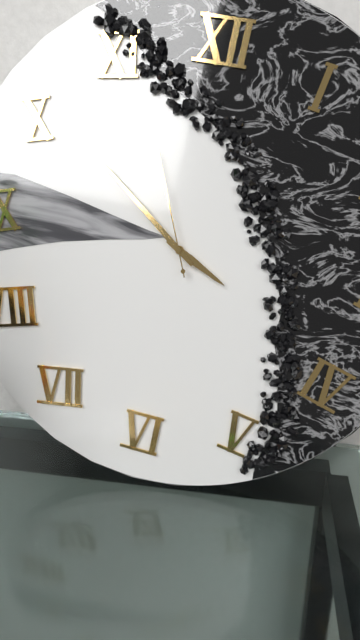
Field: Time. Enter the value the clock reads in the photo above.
3:51:56
